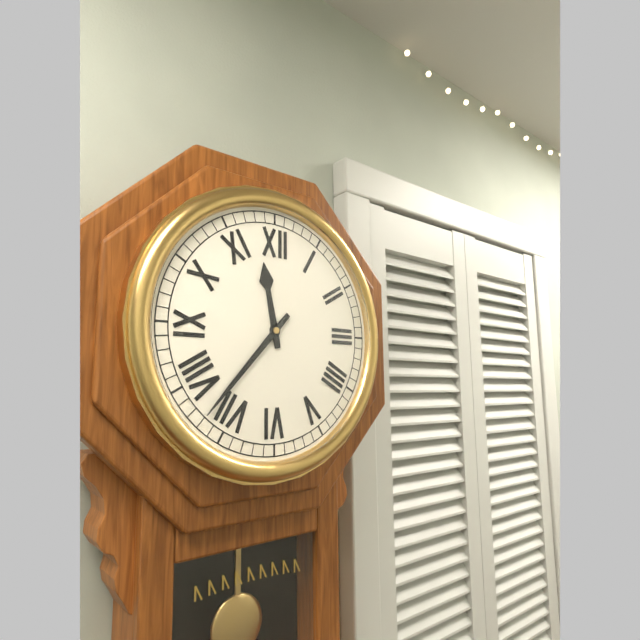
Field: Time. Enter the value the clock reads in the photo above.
11:37
